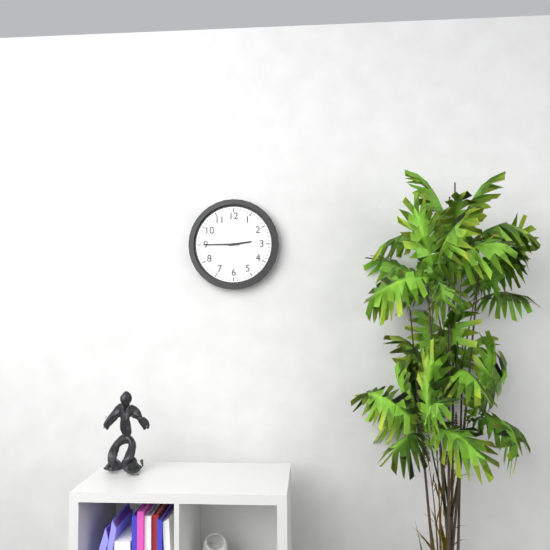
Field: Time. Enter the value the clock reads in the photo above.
2:45
